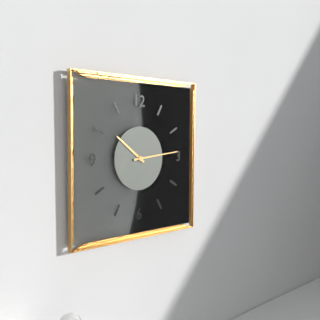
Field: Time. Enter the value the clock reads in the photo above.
10:14
